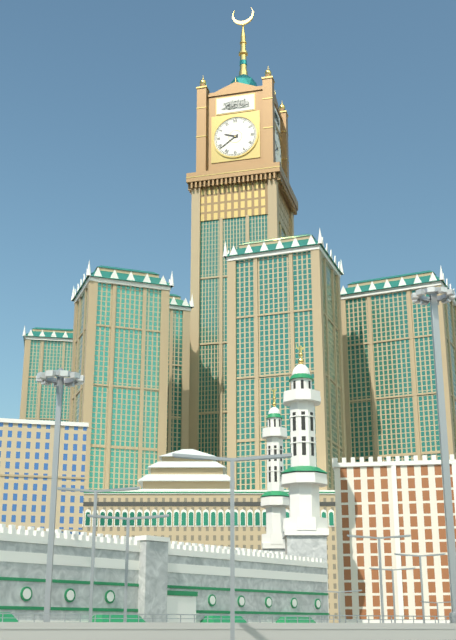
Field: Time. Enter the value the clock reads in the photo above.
9:39
